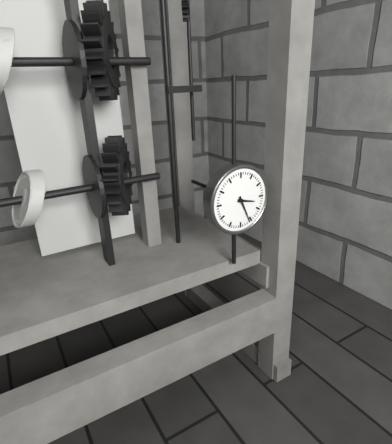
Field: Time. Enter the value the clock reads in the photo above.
3:26
